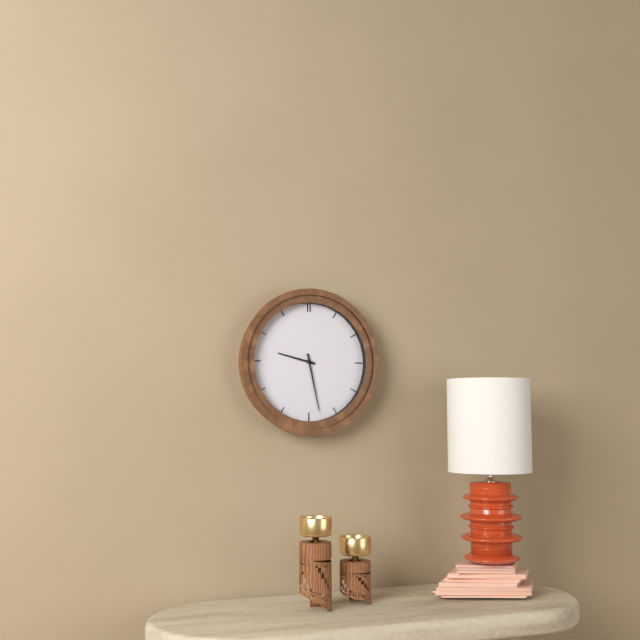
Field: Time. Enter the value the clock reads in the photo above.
9:28
